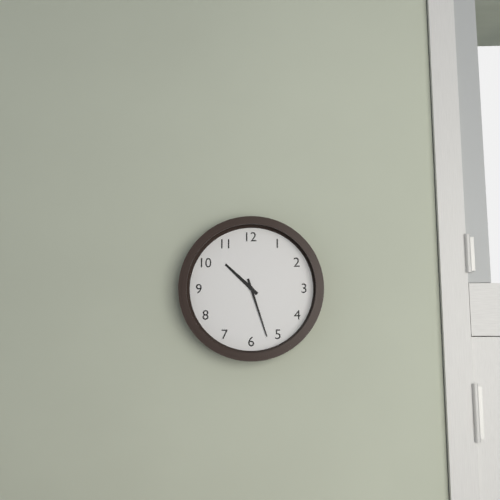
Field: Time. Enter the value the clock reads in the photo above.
10:27
